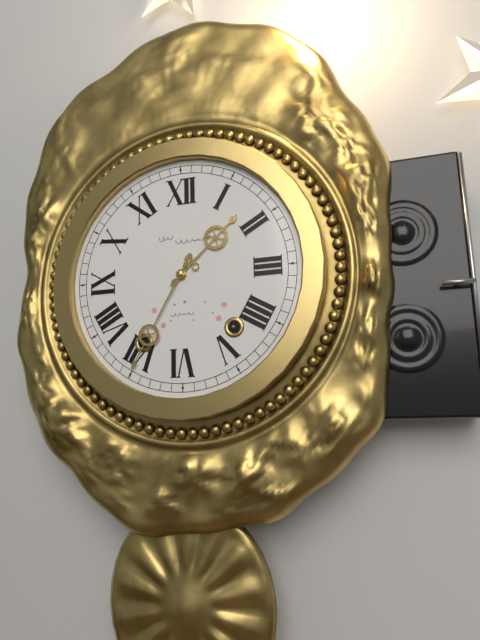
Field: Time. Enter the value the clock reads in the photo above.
1:35
